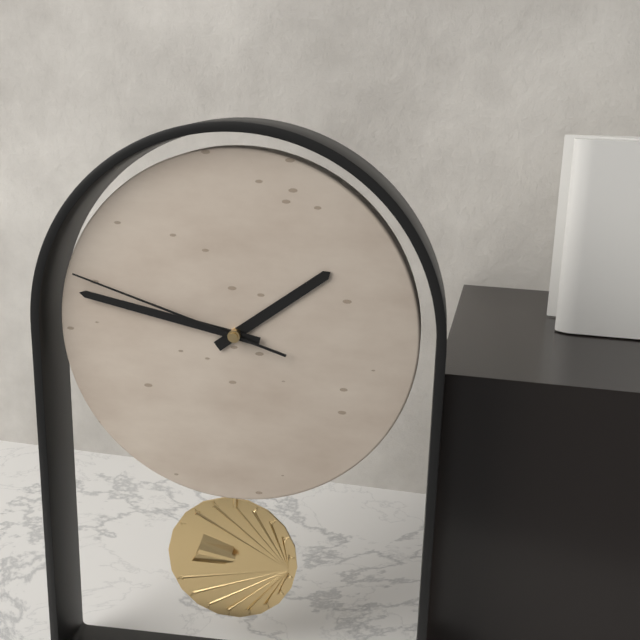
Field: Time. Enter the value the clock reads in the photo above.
1:47:48
